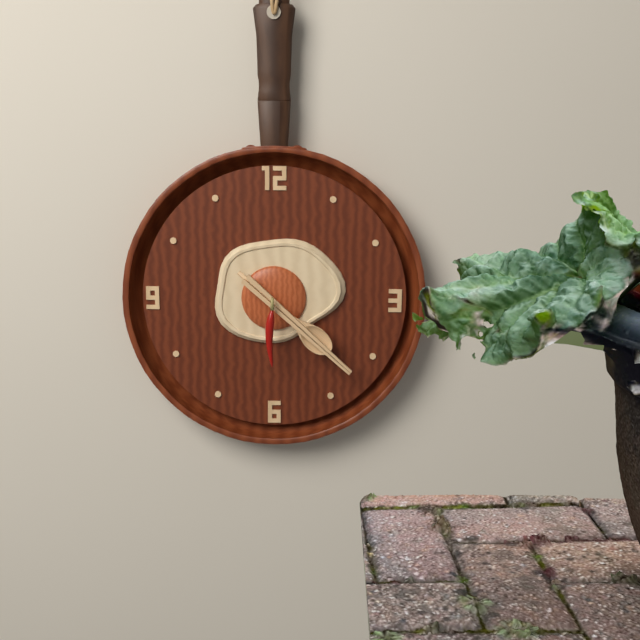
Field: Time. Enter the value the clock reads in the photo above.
4:22:30
